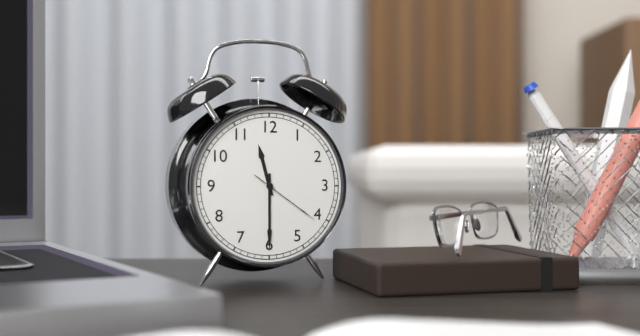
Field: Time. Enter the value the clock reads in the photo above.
11:30:21
